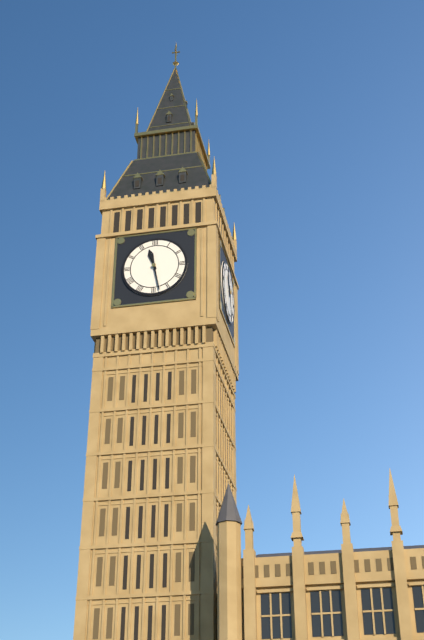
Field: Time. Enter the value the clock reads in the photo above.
11:28
